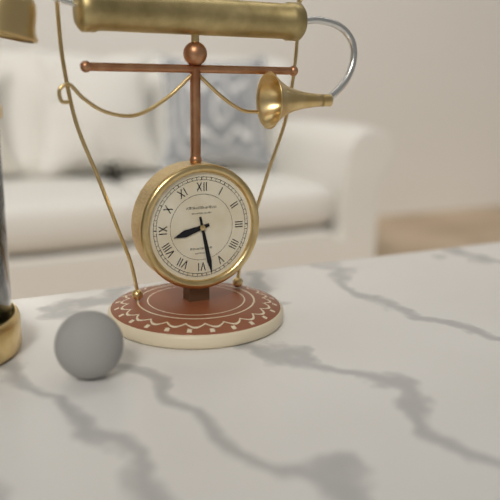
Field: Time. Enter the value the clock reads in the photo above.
8:28
